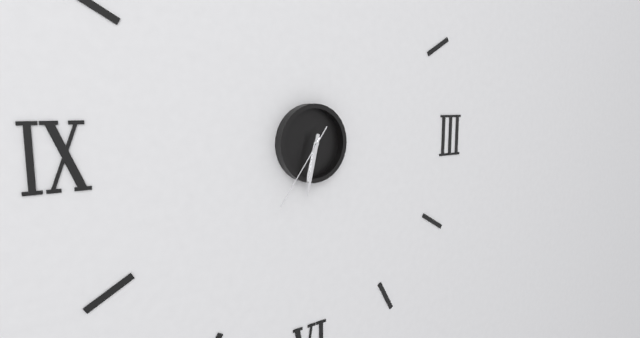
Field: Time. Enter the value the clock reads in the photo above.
6:32:36
